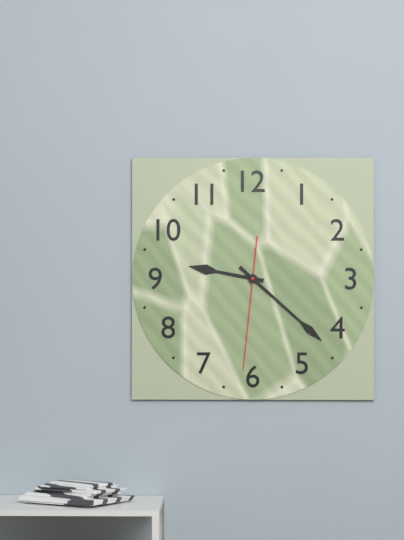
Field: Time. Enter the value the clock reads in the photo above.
9:22:31
